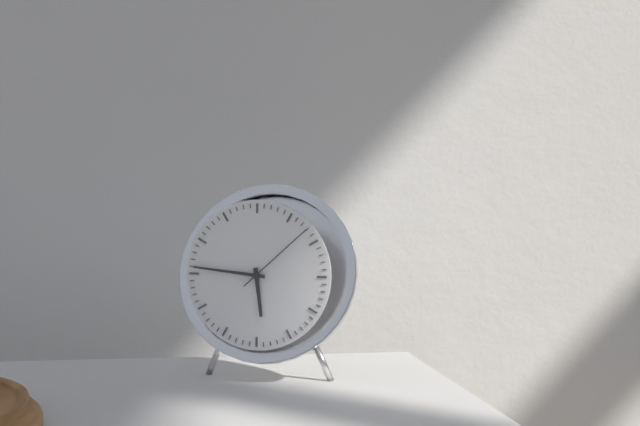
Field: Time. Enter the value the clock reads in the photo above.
5:46:08
